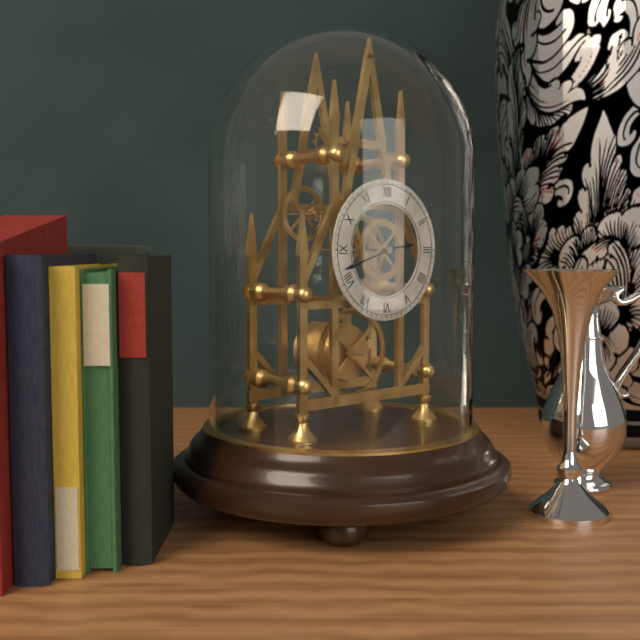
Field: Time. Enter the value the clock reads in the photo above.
2:42
